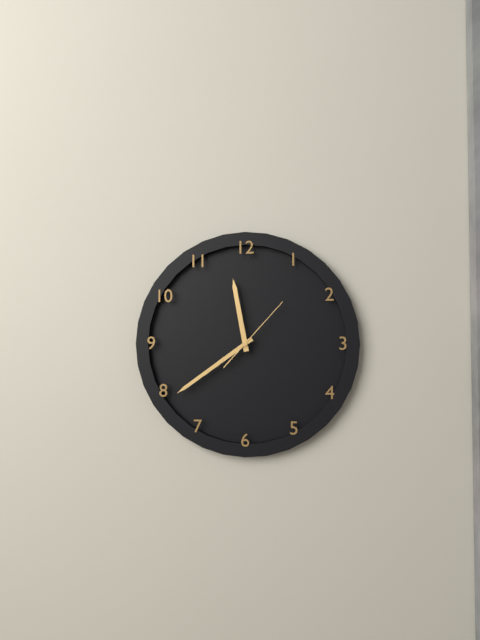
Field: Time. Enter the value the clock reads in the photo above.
11:39:07
